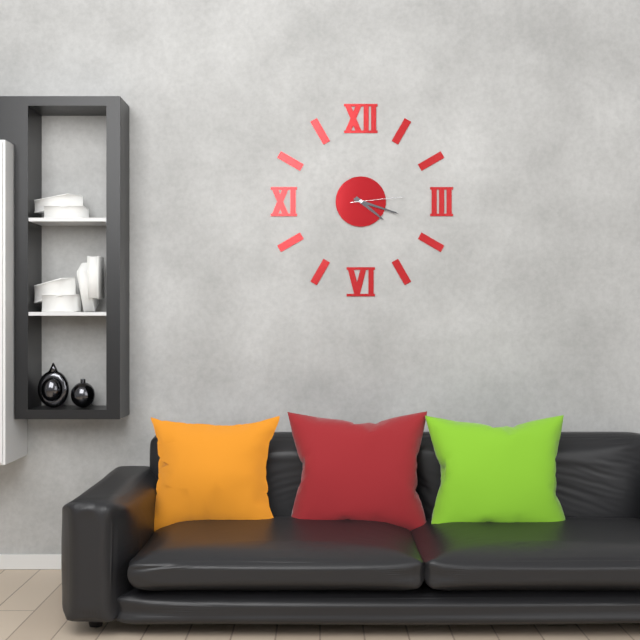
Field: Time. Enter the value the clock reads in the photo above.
4:18:14
